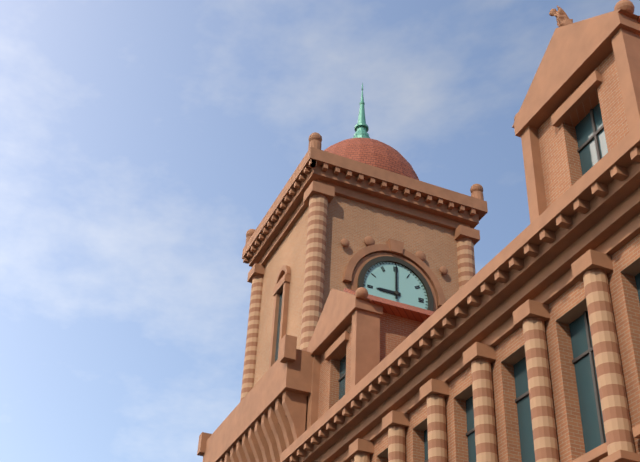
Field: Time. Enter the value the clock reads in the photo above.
9:00
